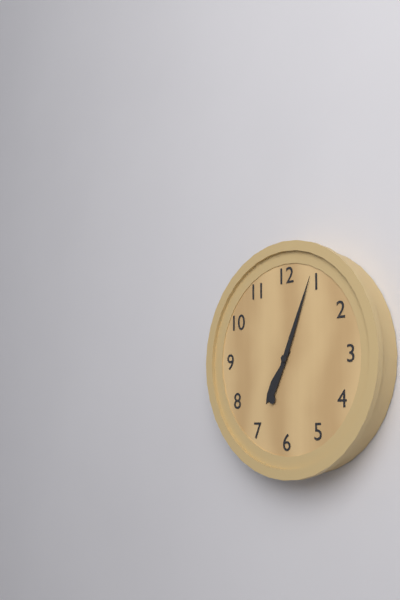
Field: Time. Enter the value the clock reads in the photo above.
7:04
